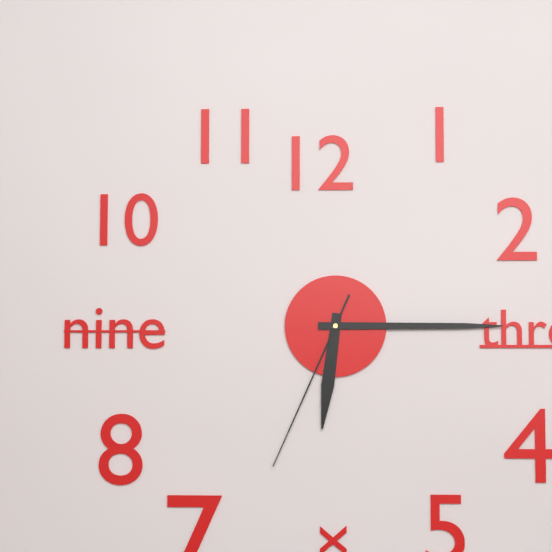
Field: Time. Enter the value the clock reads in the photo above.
6:15:34
